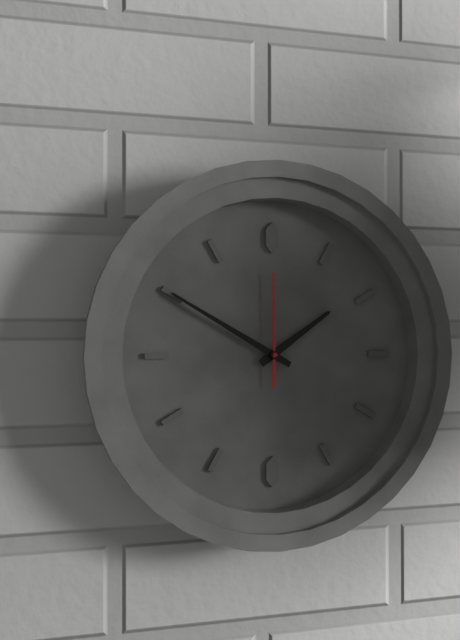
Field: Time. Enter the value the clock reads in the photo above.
1:50:00
